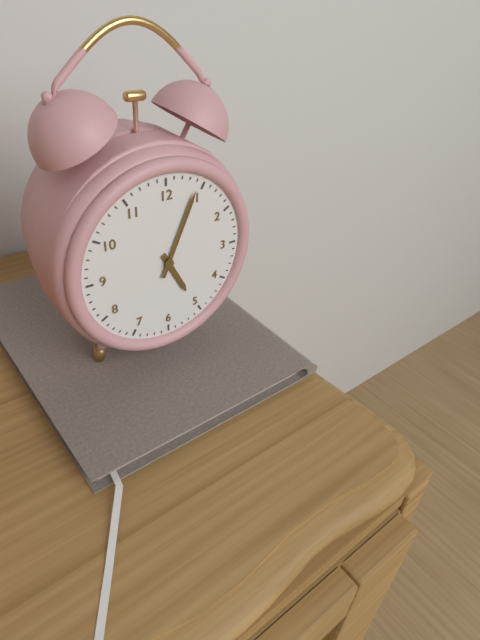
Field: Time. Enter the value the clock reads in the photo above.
5:04
